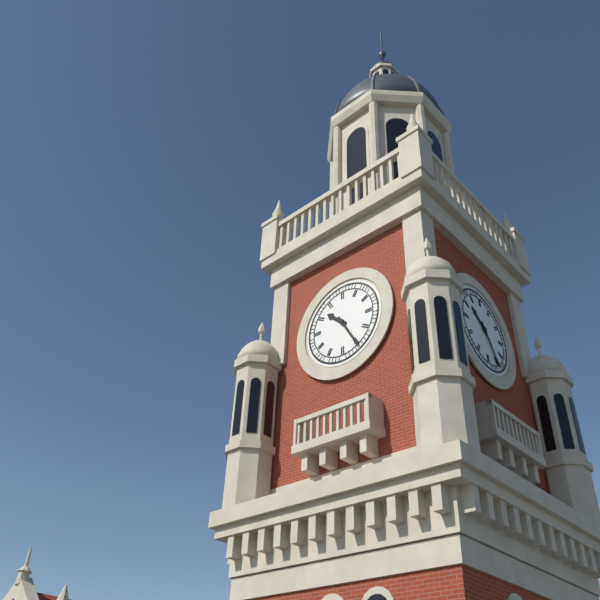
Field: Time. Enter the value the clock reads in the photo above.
10:25
